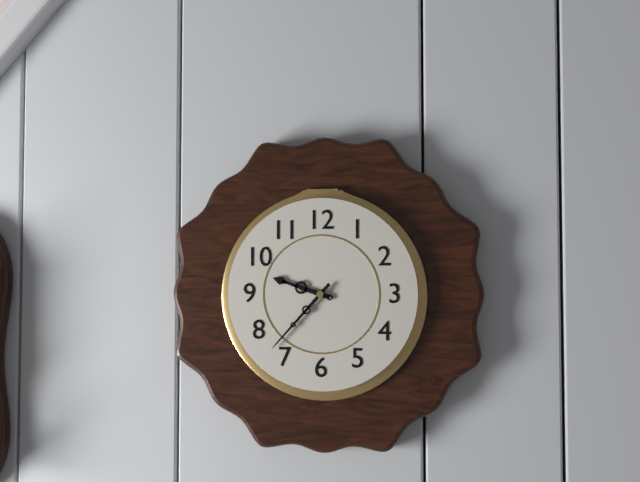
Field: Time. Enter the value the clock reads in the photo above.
9:37
